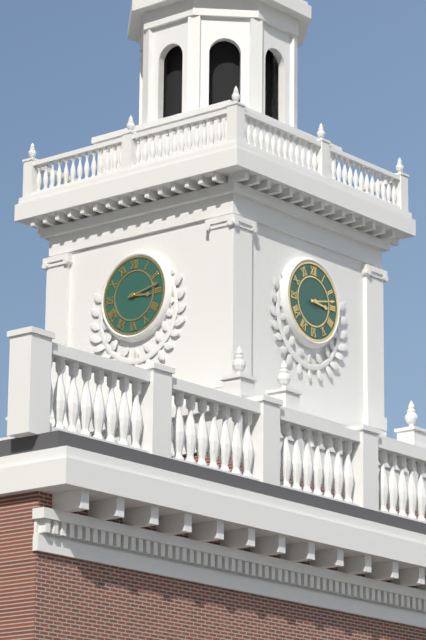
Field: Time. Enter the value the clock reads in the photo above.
3:13
